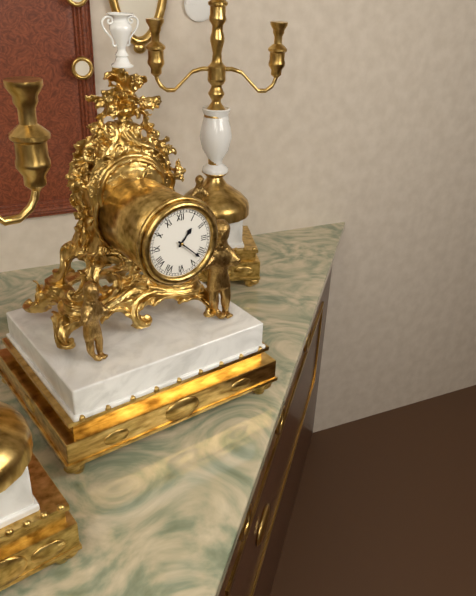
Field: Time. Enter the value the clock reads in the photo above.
1:22
